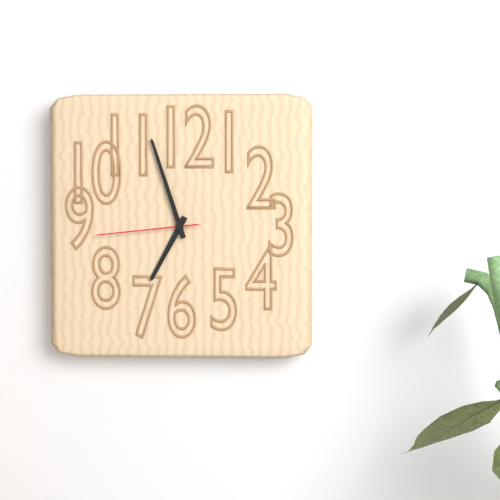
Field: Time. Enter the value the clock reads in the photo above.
6:57:44
